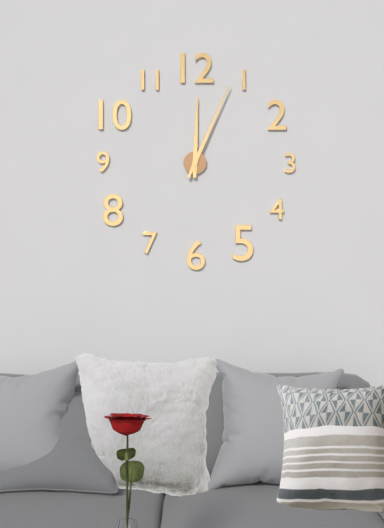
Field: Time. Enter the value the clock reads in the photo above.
12:04
